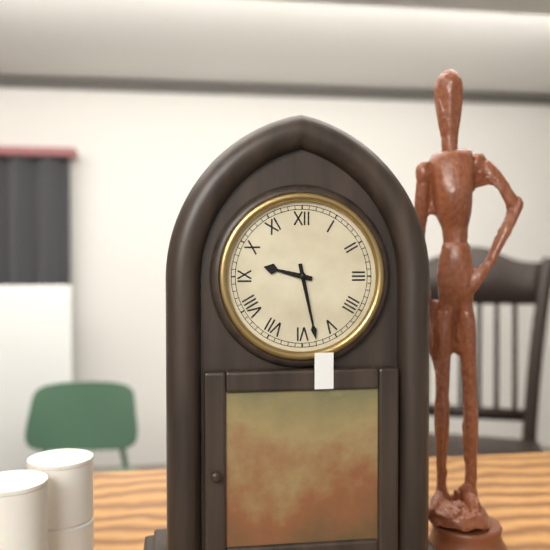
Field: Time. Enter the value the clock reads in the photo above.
9:28
